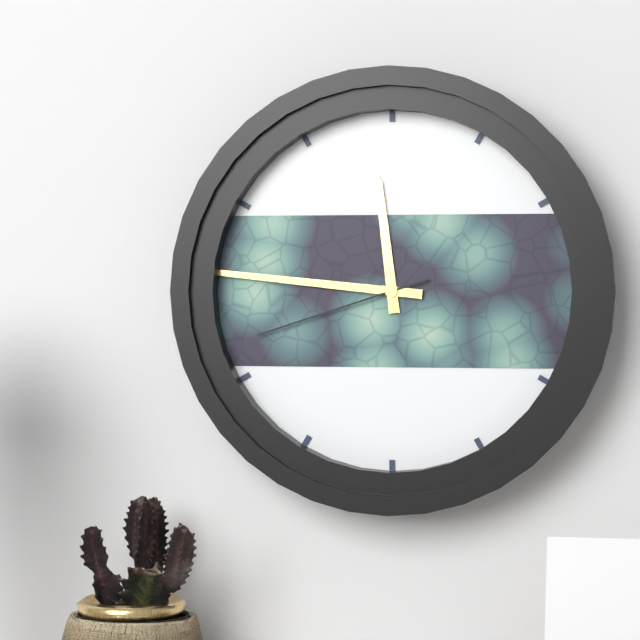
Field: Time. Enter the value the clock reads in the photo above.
11:46:42
